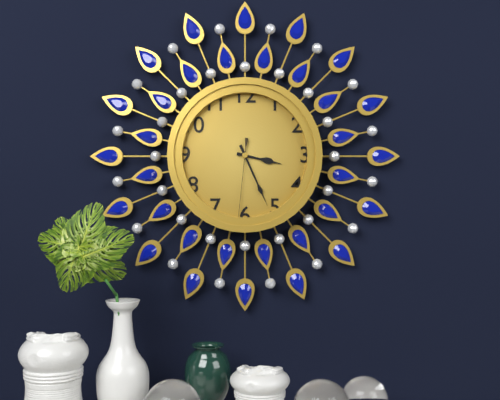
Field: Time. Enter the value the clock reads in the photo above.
3:26:31
